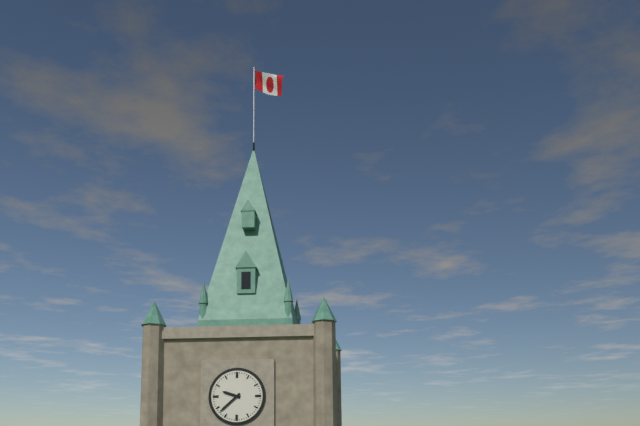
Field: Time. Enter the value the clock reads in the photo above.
9:38
